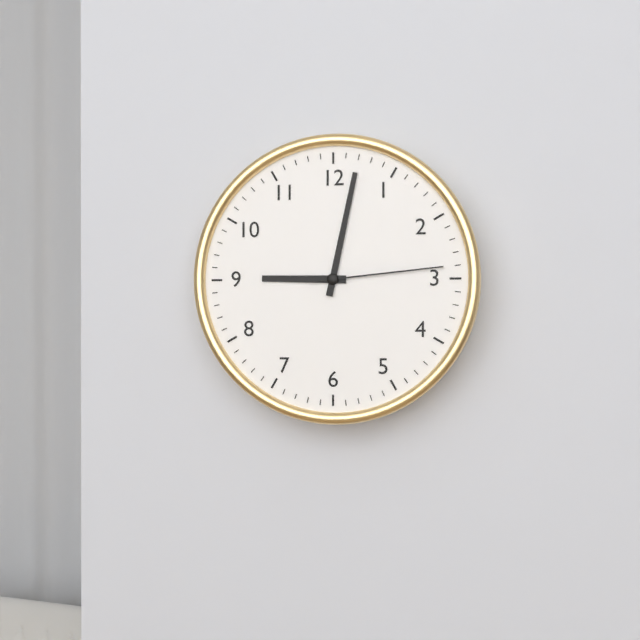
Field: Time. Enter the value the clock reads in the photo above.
9:02:14
